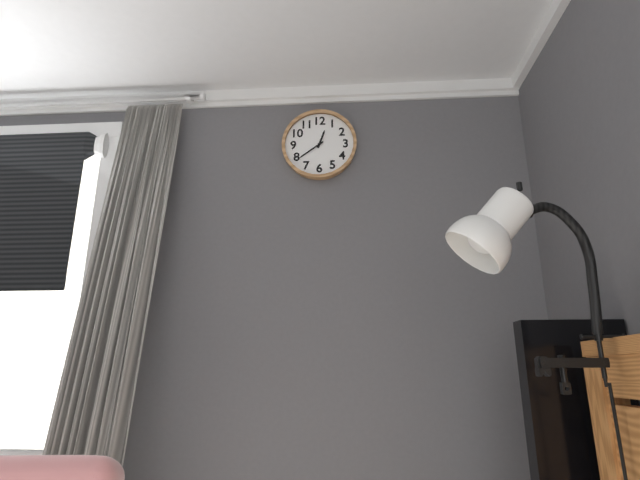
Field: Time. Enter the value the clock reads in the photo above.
12:39
